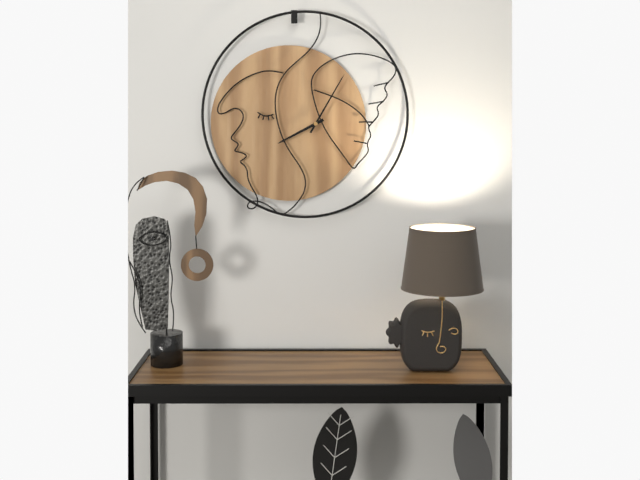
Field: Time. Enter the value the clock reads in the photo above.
8:05
